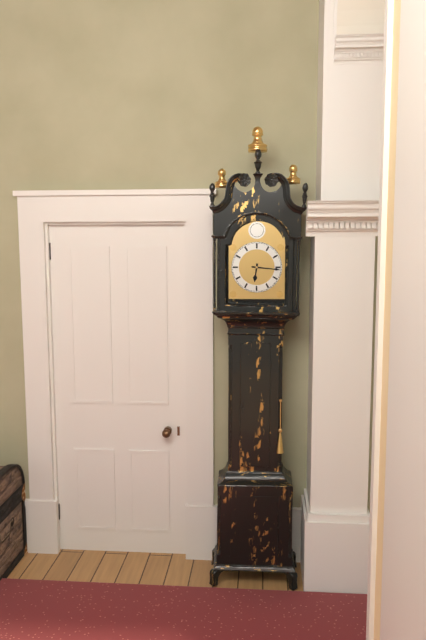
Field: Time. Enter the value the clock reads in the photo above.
6:16
